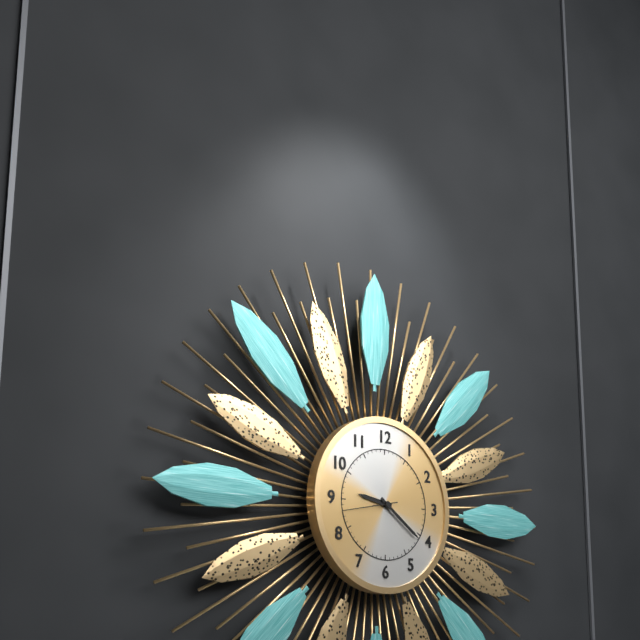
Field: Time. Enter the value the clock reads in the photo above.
9:21
